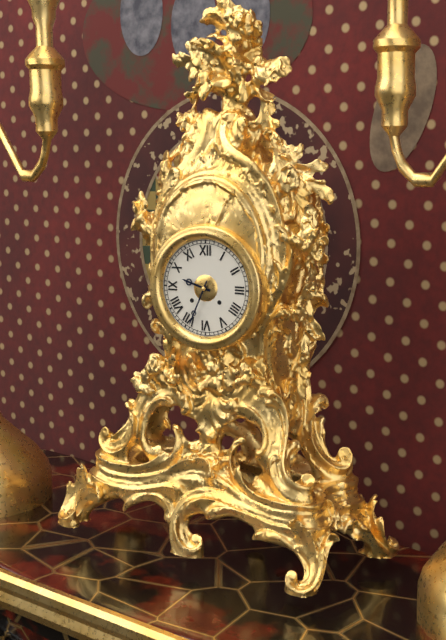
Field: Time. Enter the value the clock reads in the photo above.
9:34
